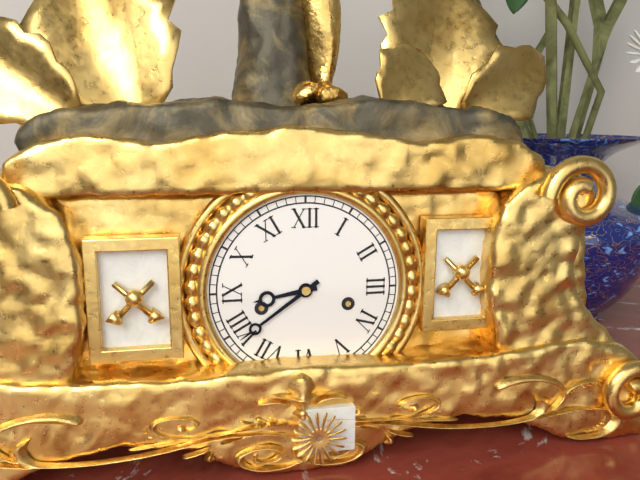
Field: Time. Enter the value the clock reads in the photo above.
8:39
